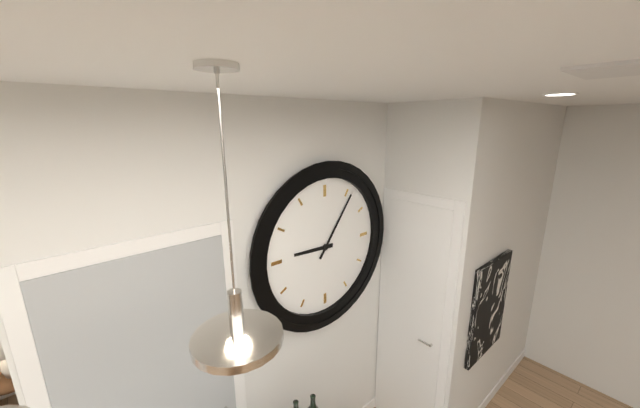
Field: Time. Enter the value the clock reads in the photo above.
9:06
